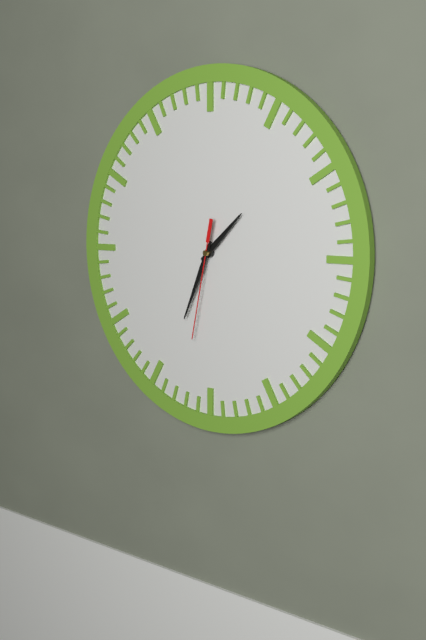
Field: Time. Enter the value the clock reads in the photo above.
1:34:32
